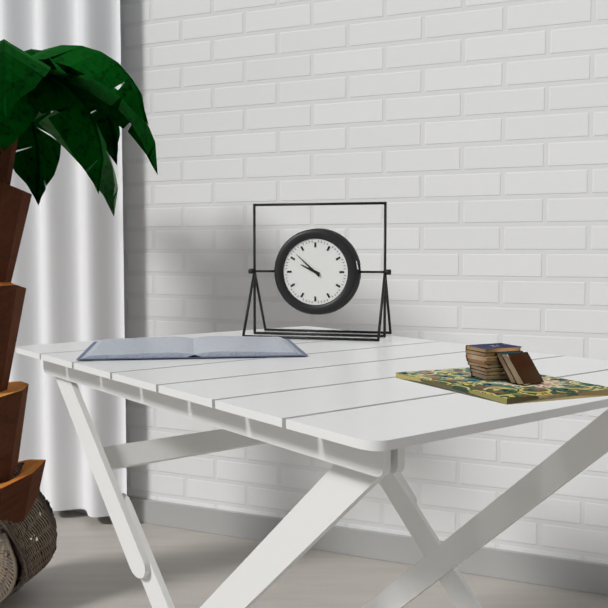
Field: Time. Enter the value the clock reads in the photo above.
9:52
